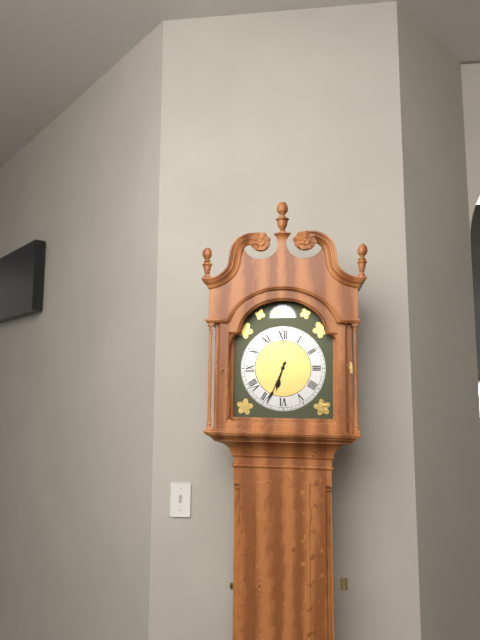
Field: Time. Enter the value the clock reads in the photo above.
6:34
